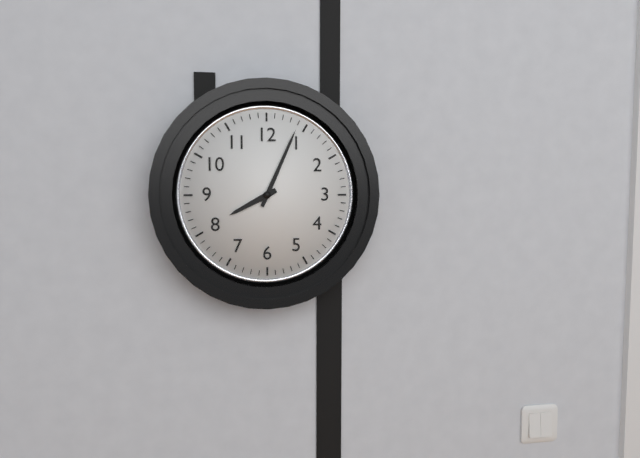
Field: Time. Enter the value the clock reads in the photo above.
8:04
